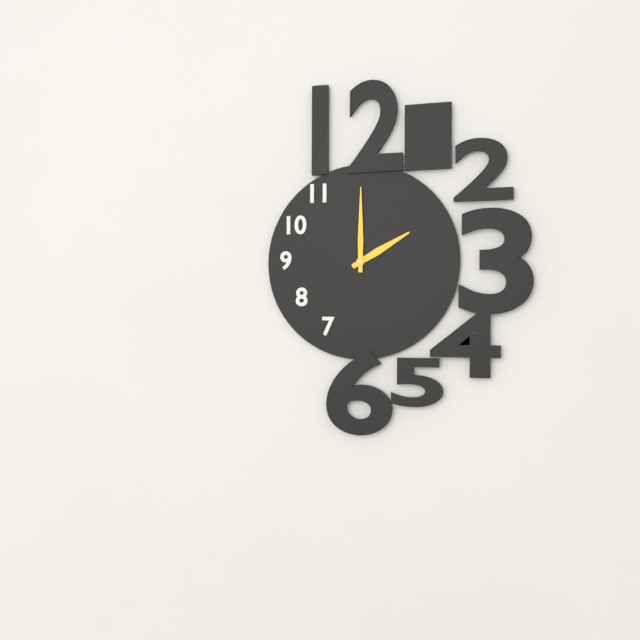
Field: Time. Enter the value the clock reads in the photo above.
2:00
